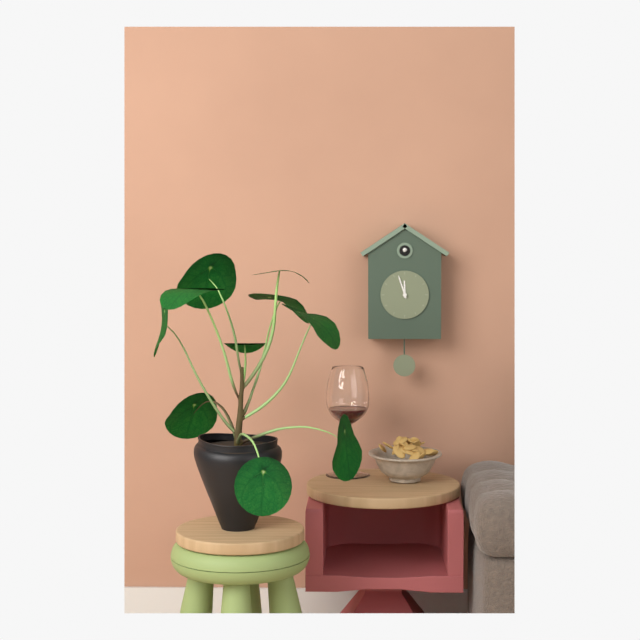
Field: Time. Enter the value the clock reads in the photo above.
11:57
